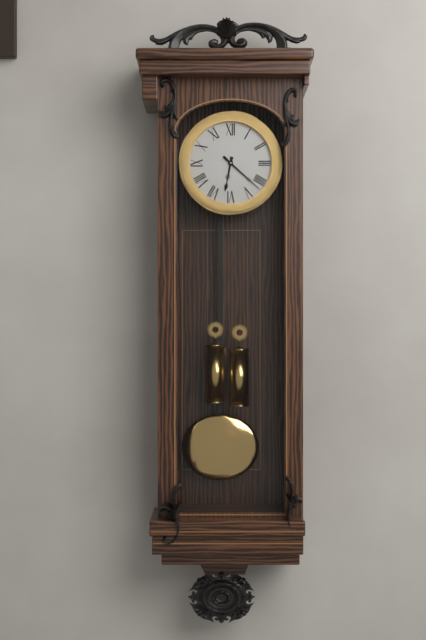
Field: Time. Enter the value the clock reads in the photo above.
6:22
